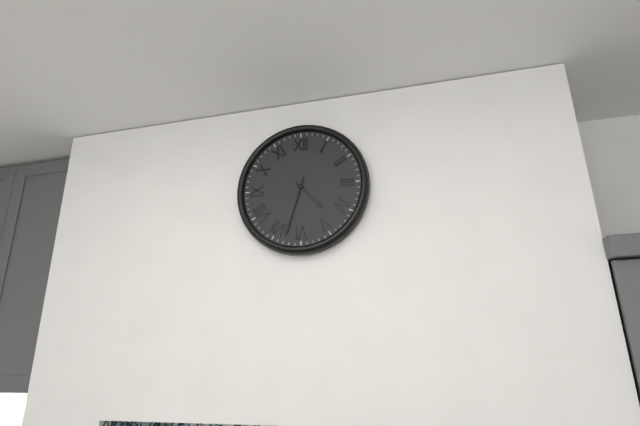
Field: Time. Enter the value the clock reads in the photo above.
4:33
